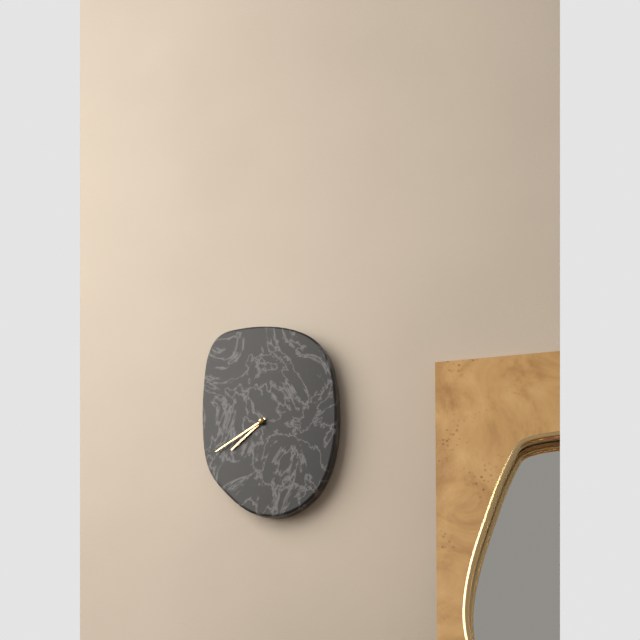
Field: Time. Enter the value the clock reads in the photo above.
7:40
